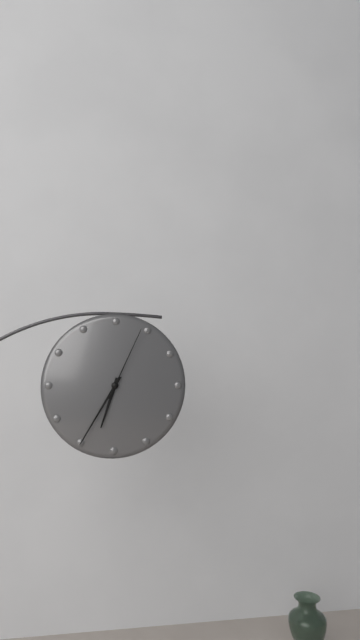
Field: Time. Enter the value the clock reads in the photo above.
6:35:04
